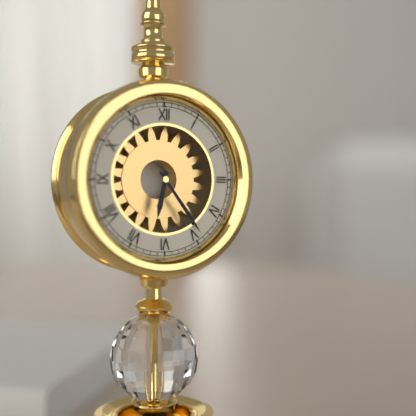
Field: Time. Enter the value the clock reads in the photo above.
6:24
